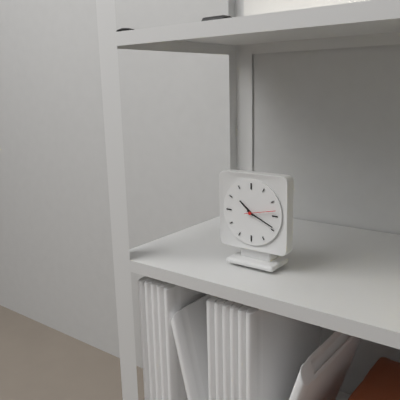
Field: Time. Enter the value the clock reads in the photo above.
10:19
